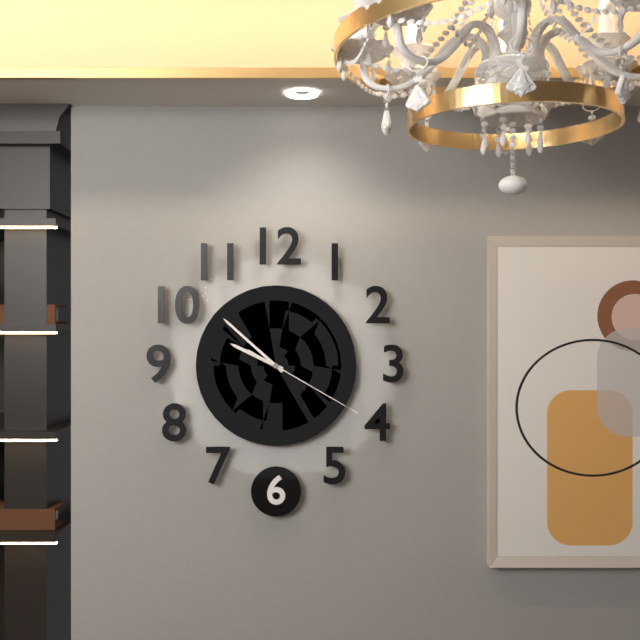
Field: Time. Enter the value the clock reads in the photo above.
9:52:20
